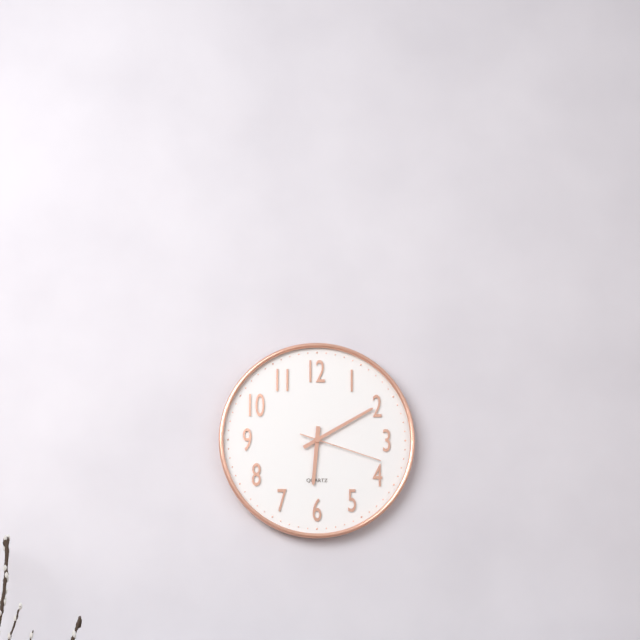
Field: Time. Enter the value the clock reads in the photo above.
6:10:18
